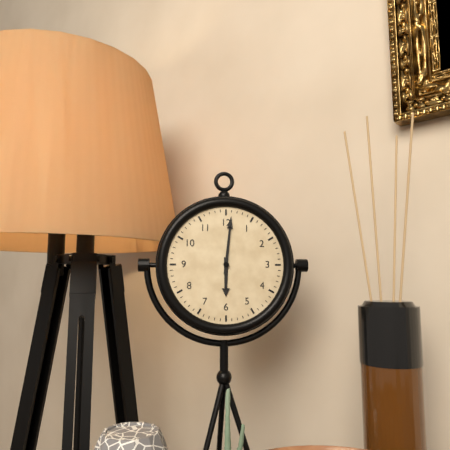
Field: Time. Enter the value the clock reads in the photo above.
6:01
